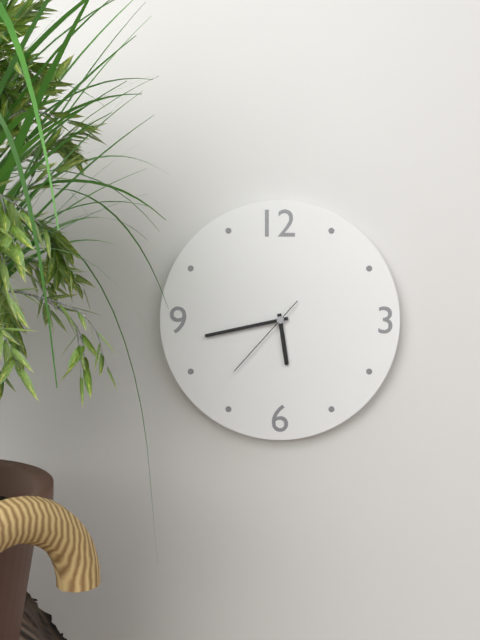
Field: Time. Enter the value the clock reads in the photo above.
5:43:37
